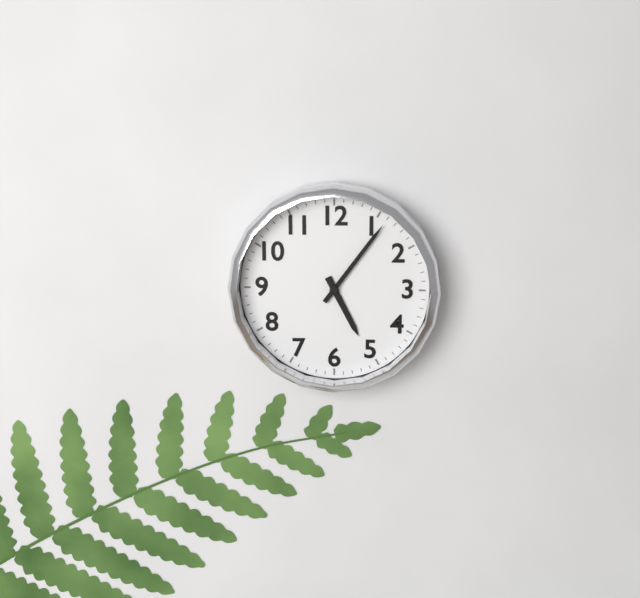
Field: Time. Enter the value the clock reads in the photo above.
5:06
